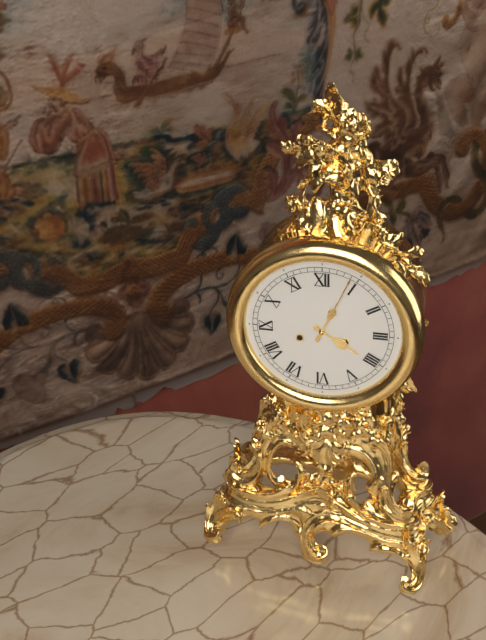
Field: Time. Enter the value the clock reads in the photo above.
4:04
